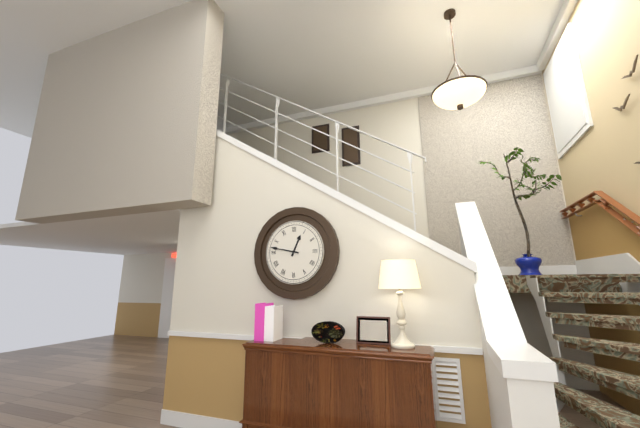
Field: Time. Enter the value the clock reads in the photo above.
12:47
